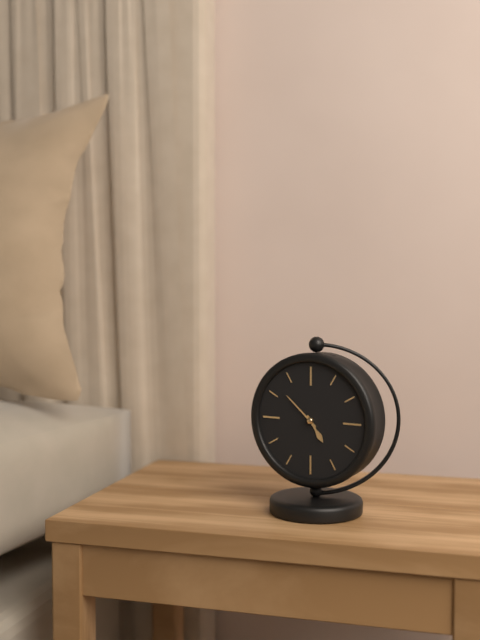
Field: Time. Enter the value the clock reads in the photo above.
4:52
